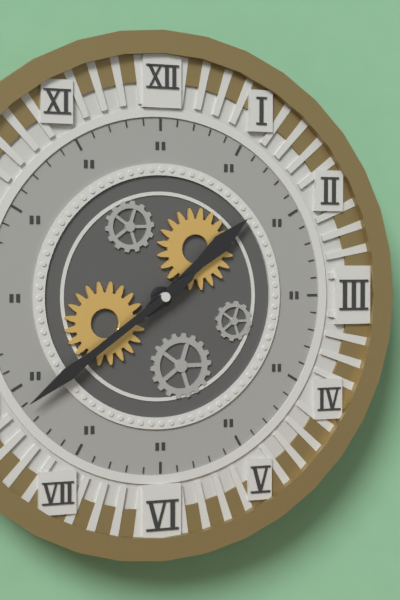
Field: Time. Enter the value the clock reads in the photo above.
1:39
